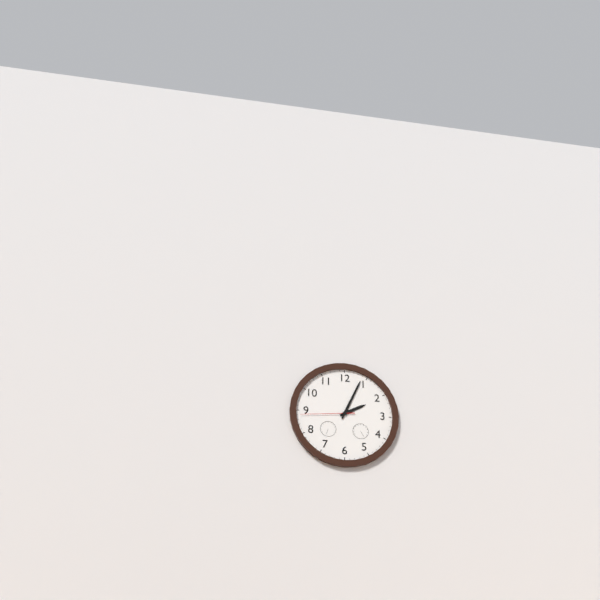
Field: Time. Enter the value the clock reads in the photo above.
2:04:44
